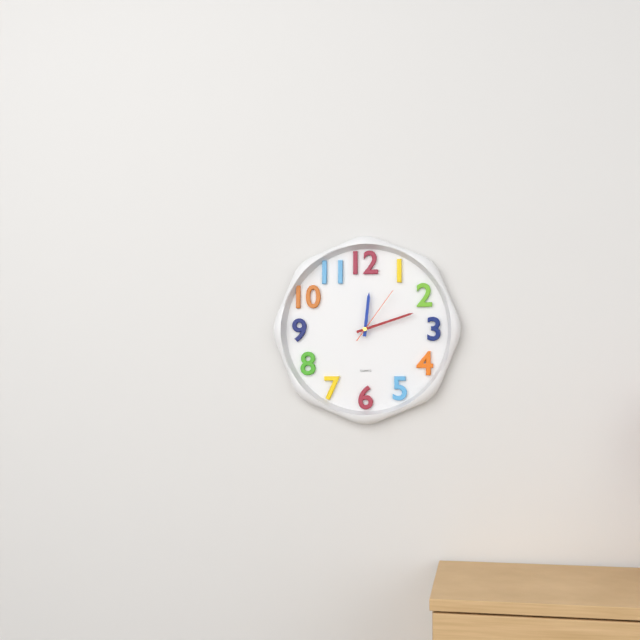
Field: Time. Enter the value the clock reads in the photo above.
12:12:06
